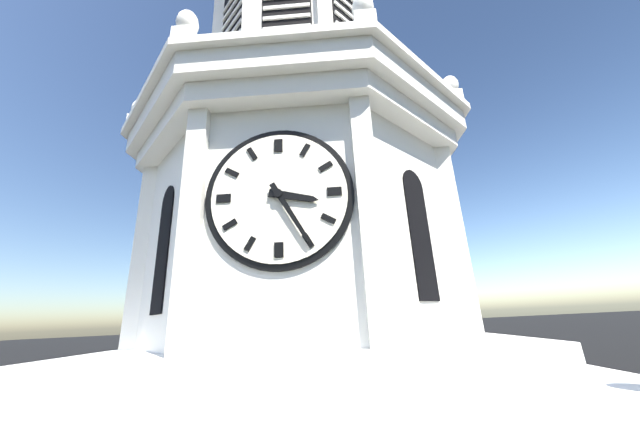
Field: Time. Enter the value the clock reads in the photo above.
3:25
